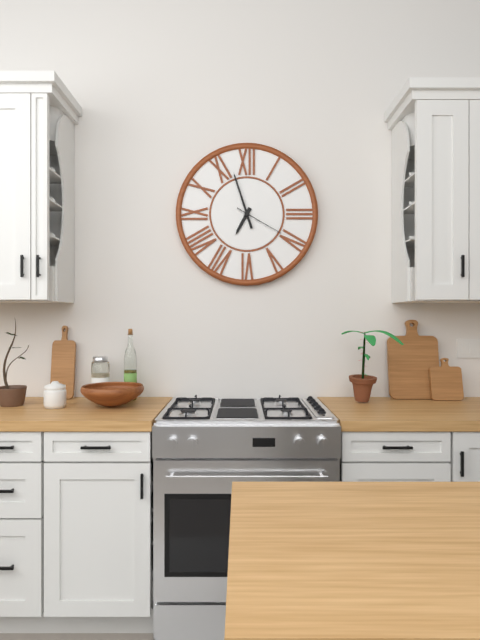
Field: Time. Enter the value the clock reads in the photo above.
6:57
